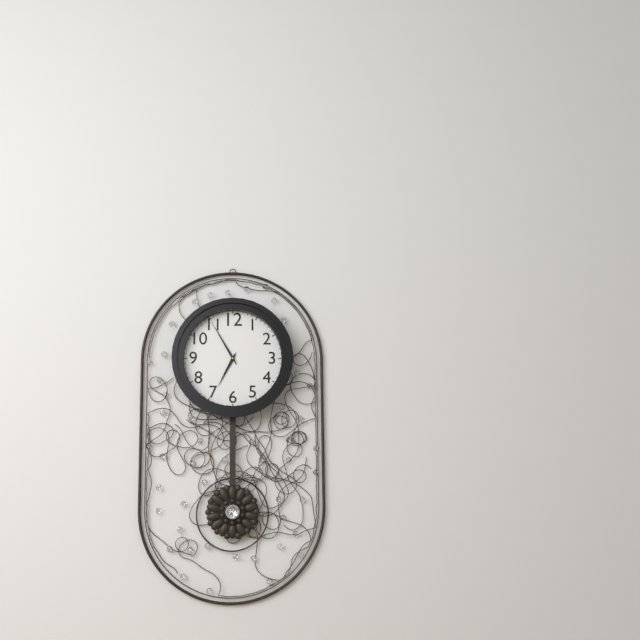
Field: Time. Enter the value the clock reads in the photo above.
6:55
